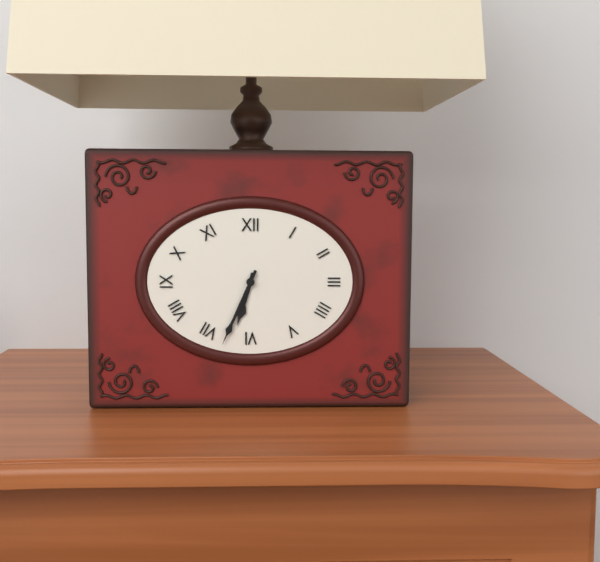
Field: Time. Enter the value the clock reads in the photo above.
6:34
